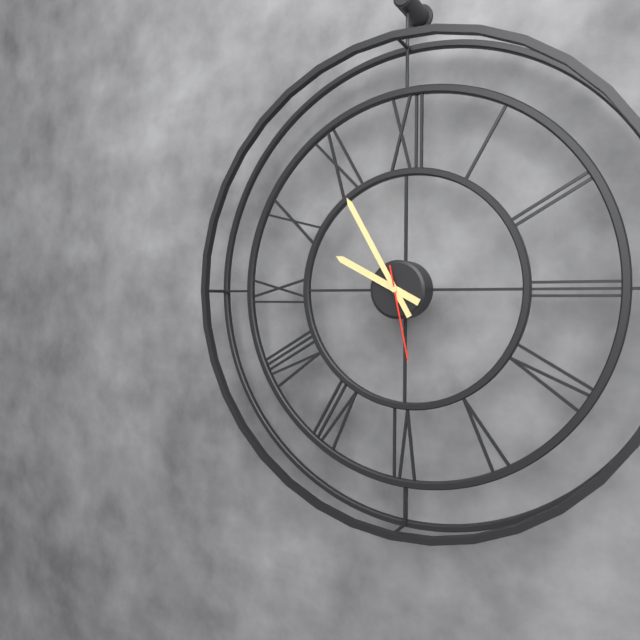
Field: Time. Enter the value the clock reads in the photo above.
9:55:28
